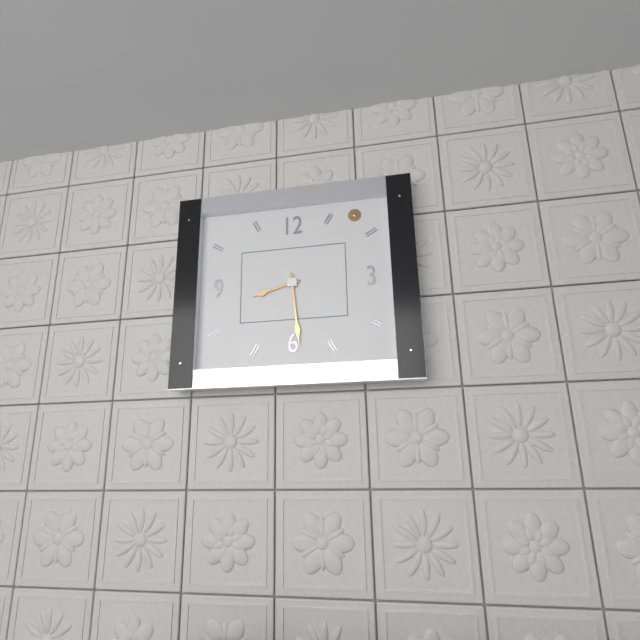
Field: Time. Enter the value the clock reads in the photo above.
8:29
